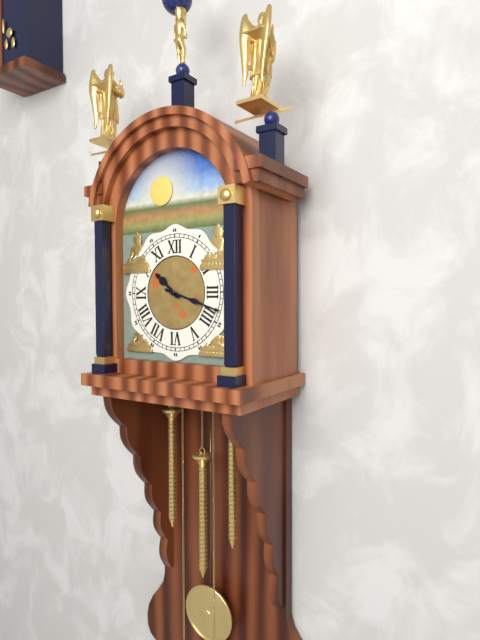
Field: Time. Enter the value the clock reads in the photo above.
10:18
